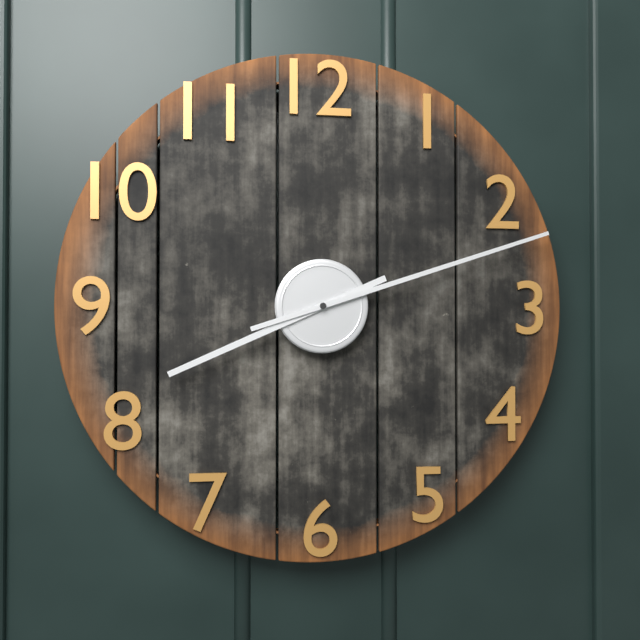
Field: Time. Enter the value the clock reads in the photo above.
8:12
